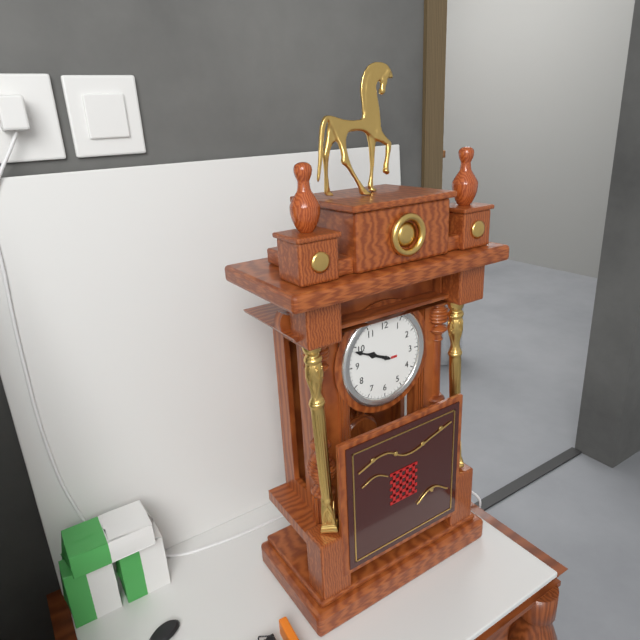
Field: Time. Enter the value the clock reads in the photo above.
9:49
